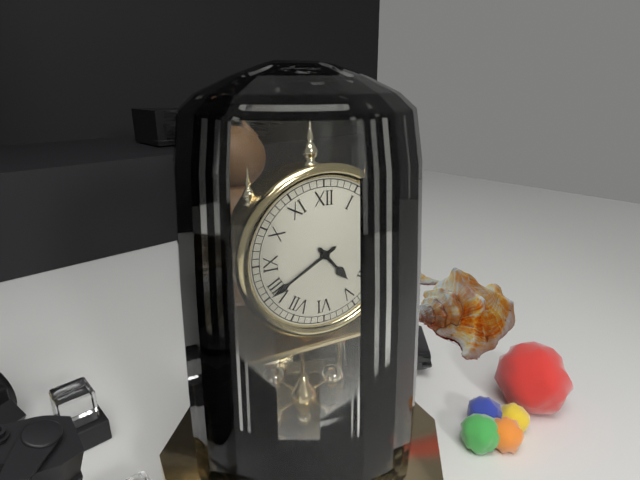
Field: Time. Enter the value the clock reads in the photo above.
4:40
